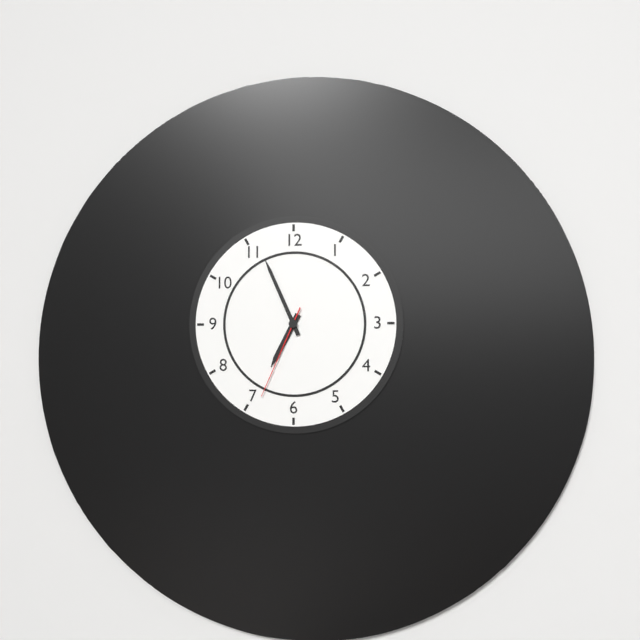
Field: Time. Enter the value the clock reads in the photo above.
6:56:34
